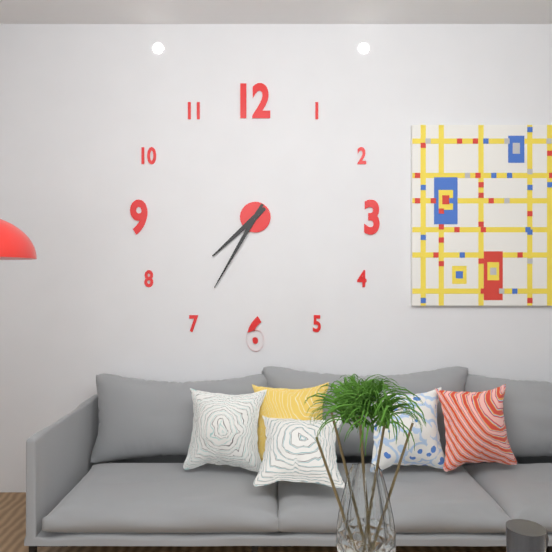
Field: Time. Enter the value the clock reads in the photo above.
7:35
